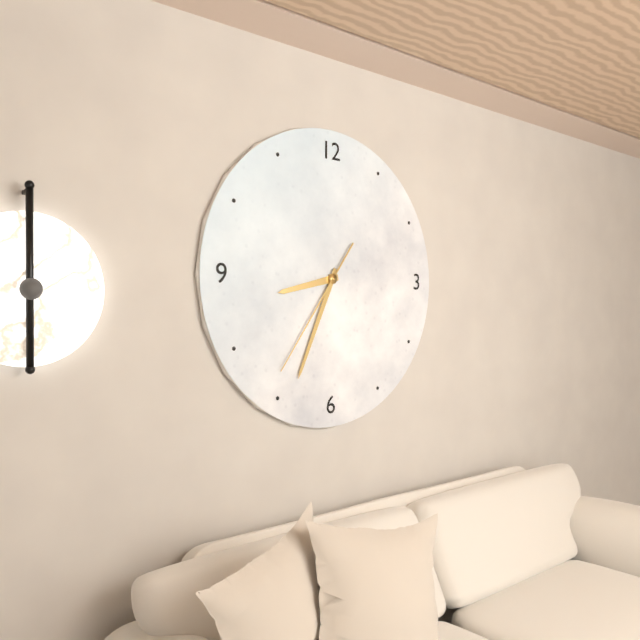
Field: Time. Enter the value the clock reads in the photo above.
8:34:36
